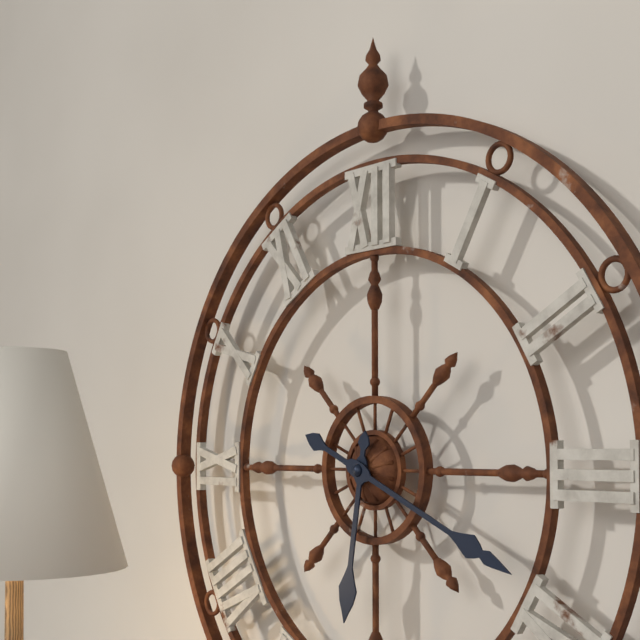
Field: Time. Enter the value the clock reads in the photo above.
6:19
